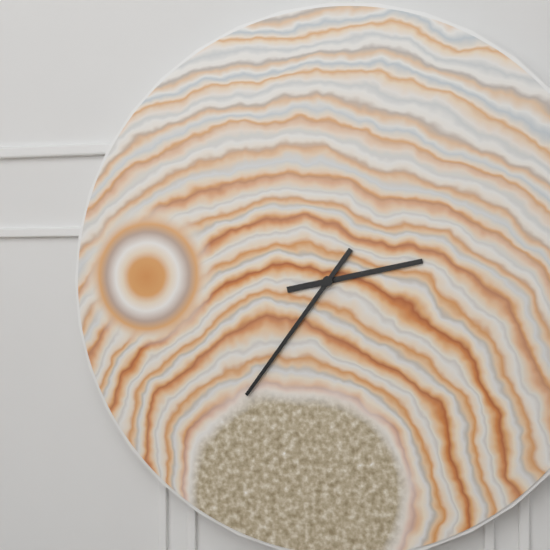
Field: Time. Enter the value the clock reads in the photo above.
2:36
